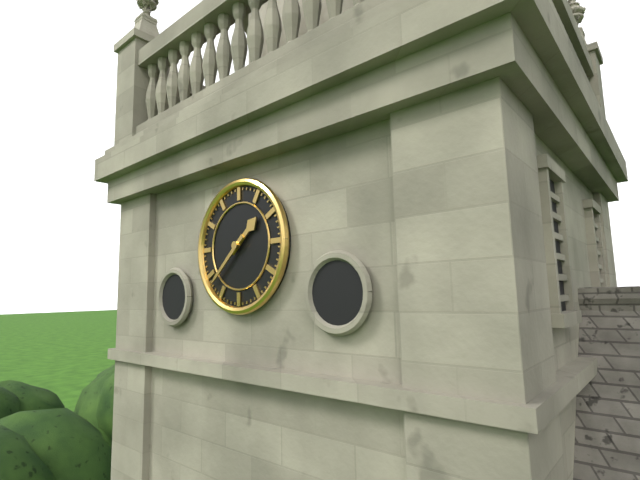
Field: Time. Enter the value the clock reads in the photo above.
1:38
